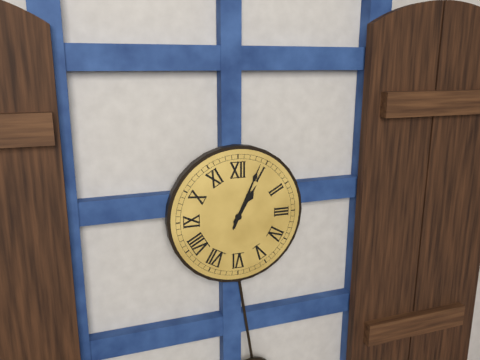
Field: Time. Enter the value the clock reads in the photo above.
1:04
